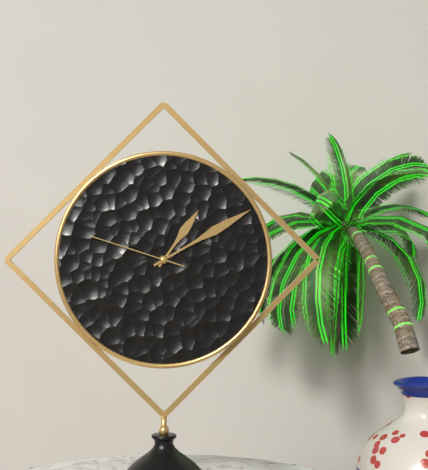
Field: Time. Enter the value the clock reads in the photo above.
1:10:48
